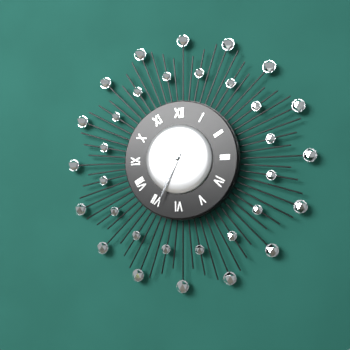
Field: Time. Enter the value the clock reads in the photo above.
10:34
